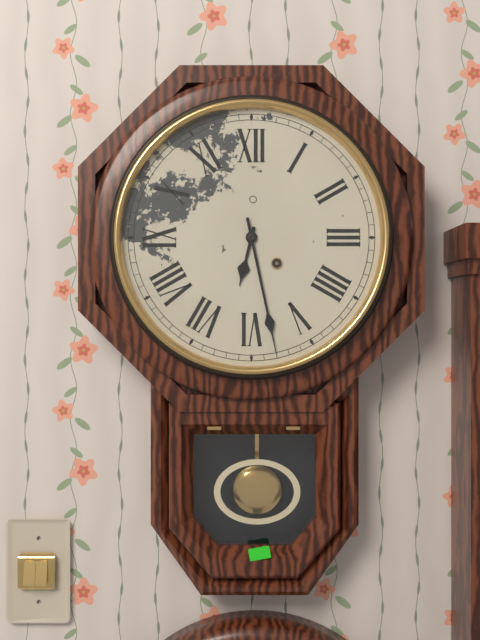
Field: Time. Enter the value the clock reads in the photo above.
6:28
